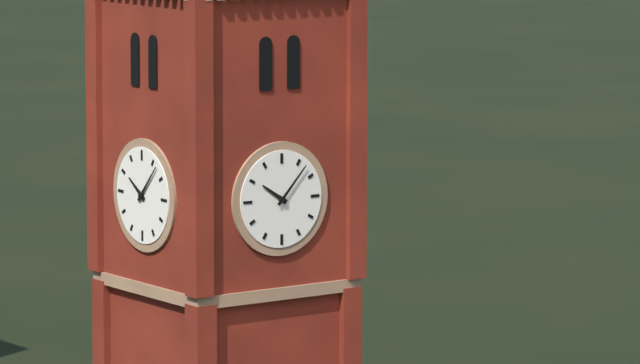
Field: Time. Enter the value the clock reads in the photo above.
10:07
